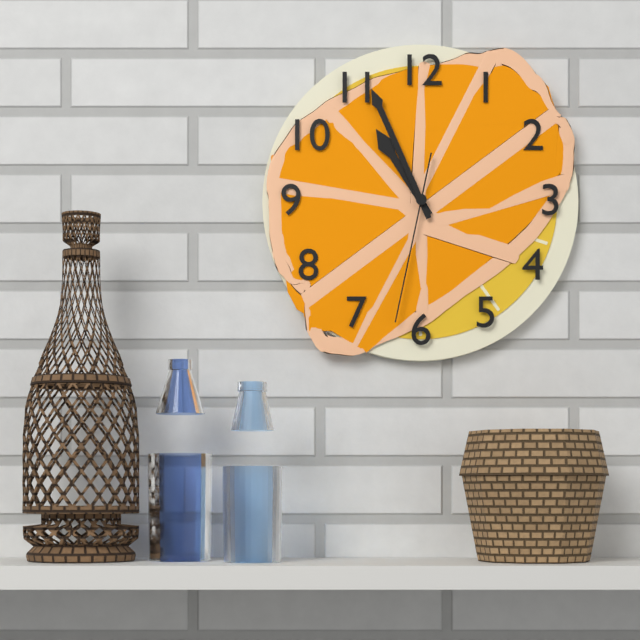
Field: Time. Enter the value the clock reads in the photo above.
10:56:32
